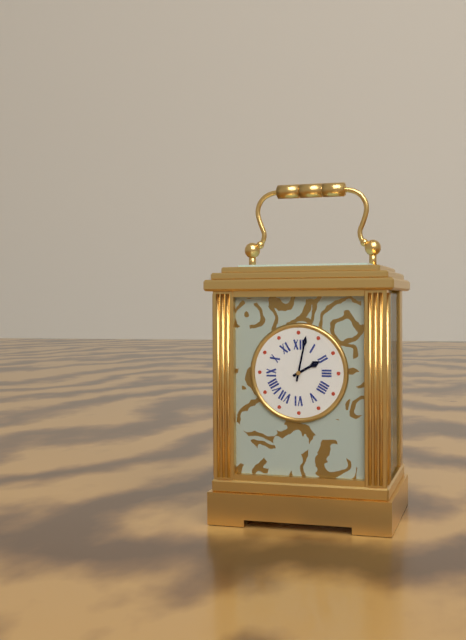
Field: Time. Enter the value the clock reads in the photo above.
2:02
